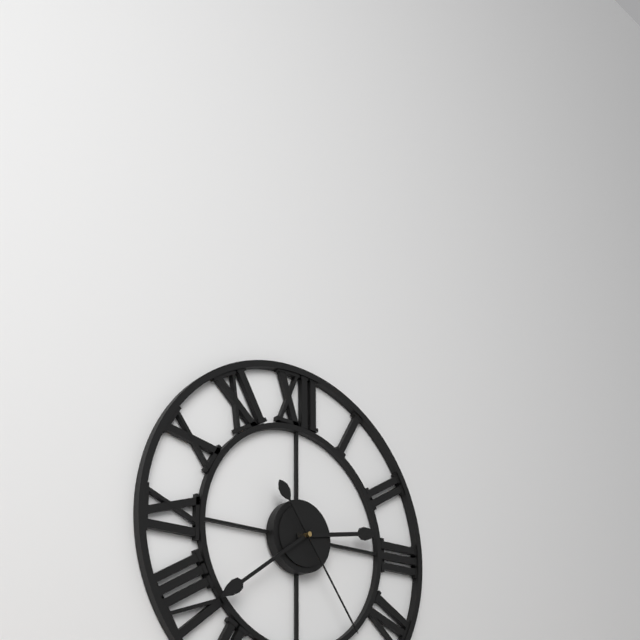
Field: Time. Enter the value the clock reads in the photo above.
2:39:24
